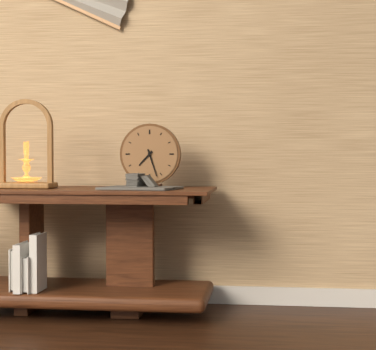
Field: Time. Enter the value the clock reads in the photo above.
7:27
